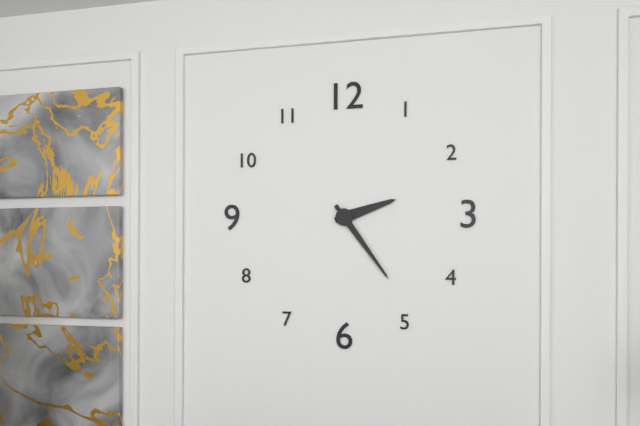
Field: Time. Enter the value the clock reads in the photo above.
2:24
